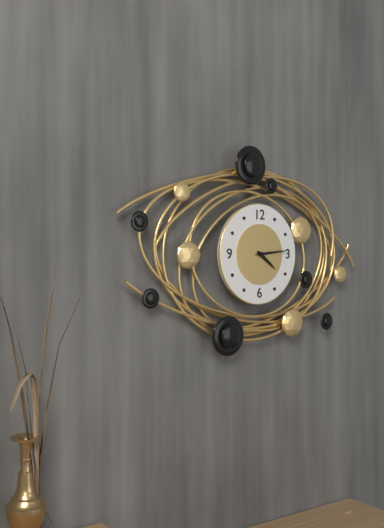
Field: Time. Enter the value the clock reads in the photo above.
4:14
